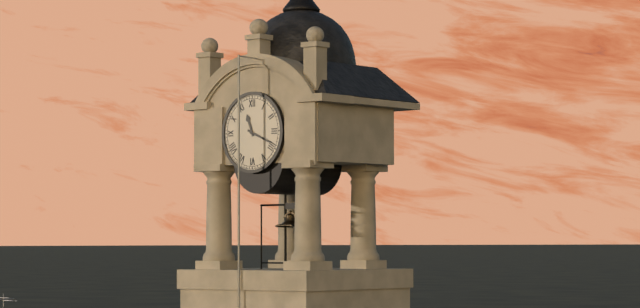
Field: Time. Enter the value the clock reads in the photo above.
11:19
